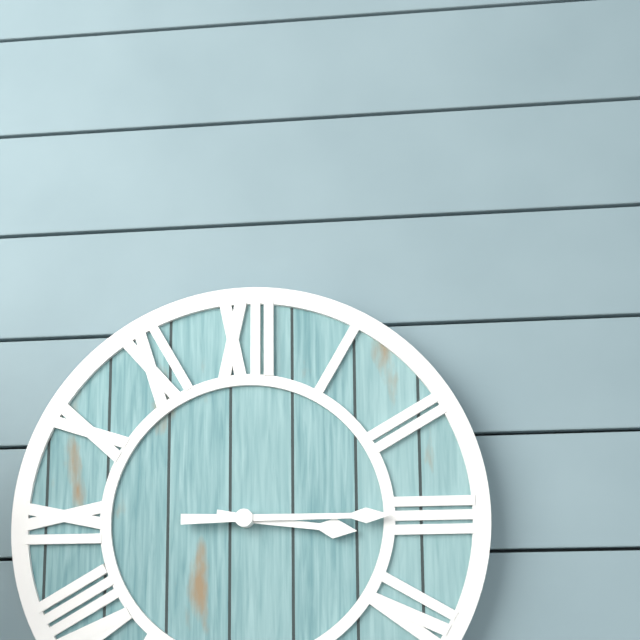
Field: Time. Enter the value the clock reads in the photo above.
3:15
